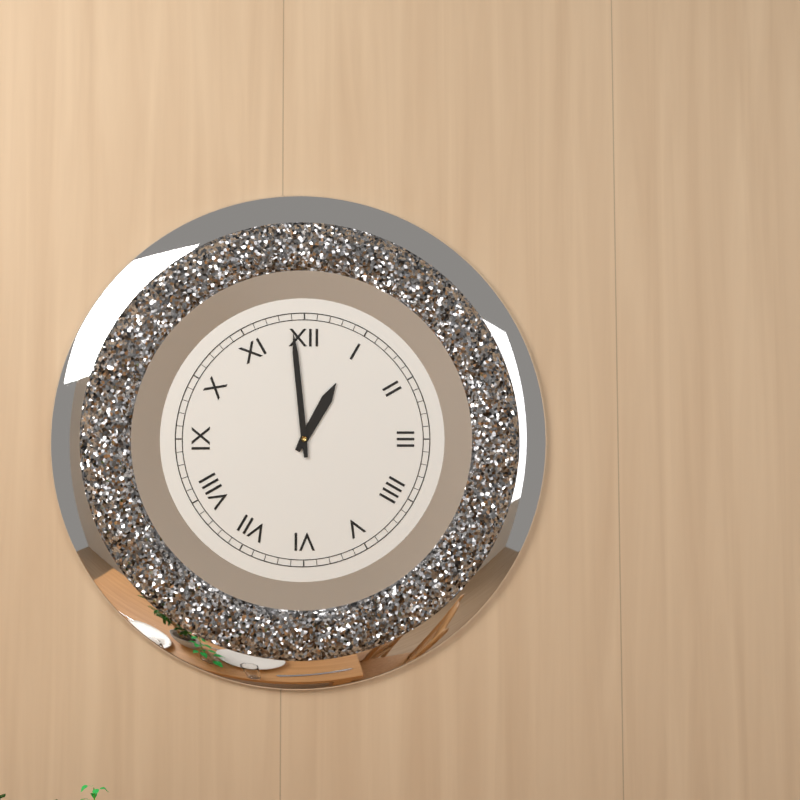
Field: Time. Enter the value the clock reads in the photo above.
12:59
